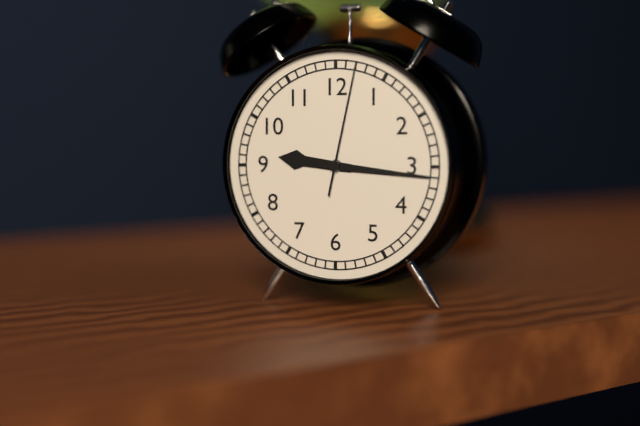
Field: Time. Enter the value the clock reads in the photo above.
9:16:02
